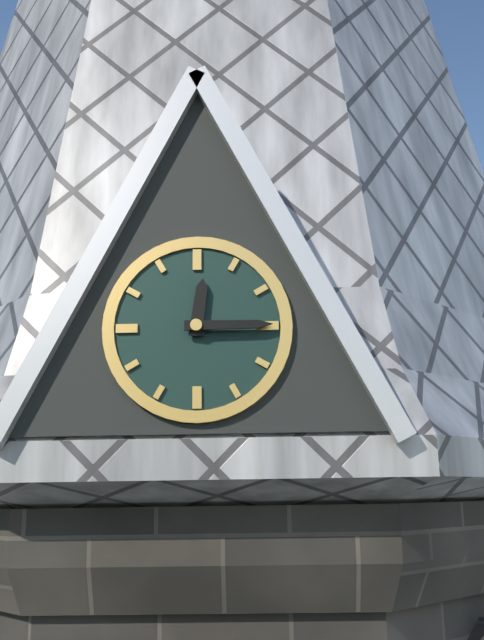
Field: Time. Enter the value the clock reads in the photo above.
12:15
